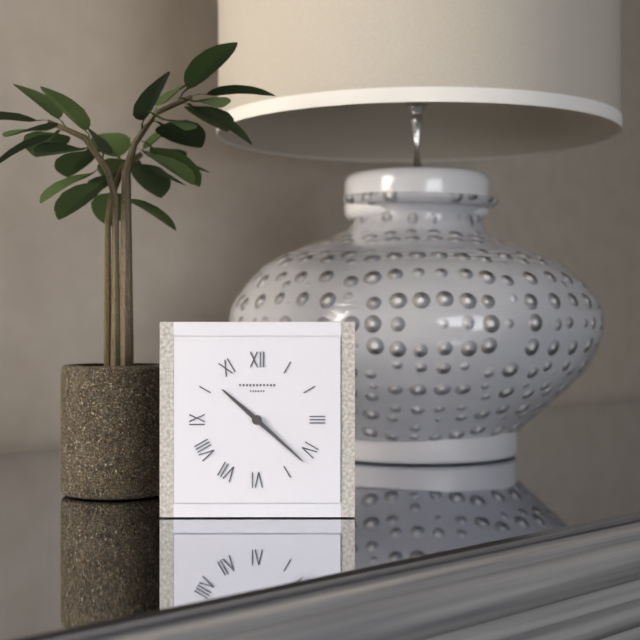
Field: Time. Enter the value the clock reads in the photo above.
10:22
